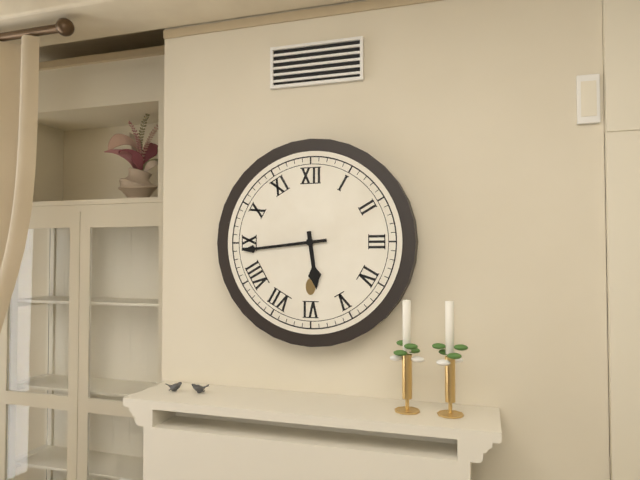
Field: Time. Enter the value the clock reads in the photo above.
5:44
